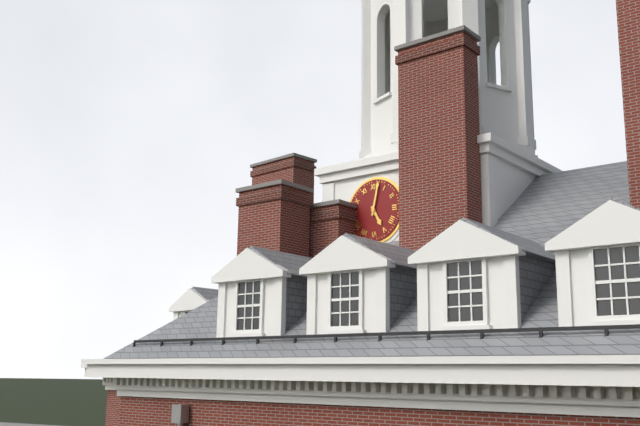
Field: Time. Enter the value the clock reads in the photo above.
5:02
